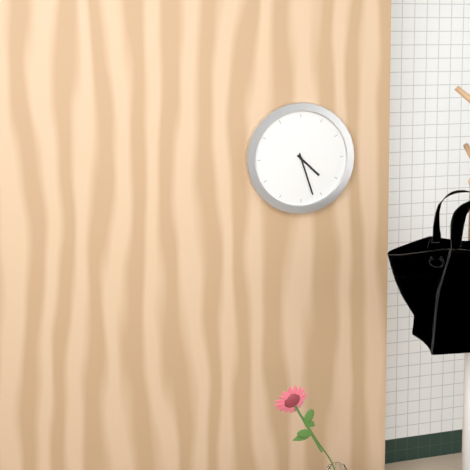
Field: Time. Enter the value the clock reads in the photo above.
4:27
